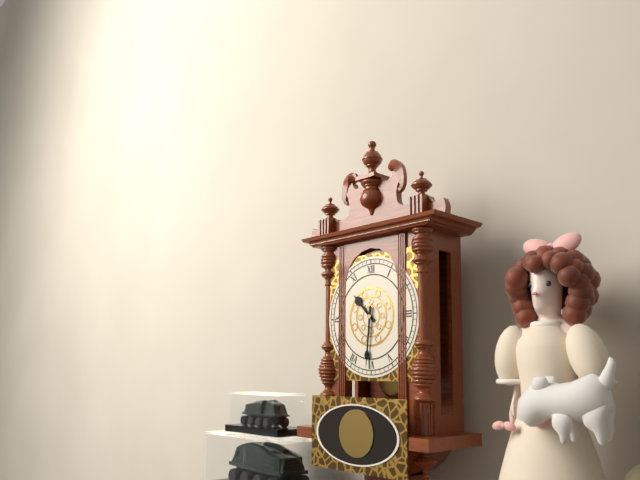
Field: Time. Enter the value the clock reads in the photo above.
10:31
